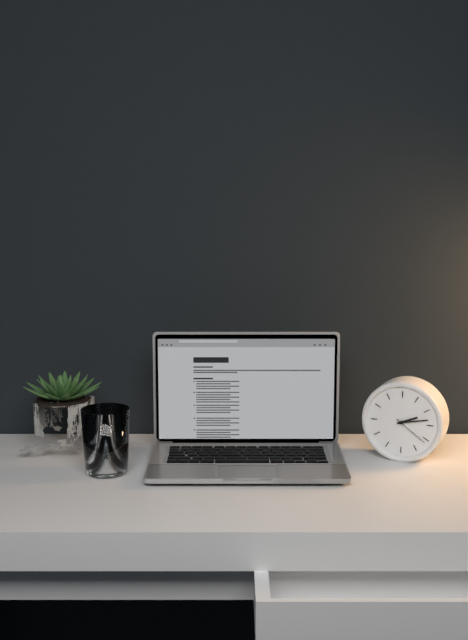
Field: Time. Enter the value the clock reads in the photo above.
2:13
